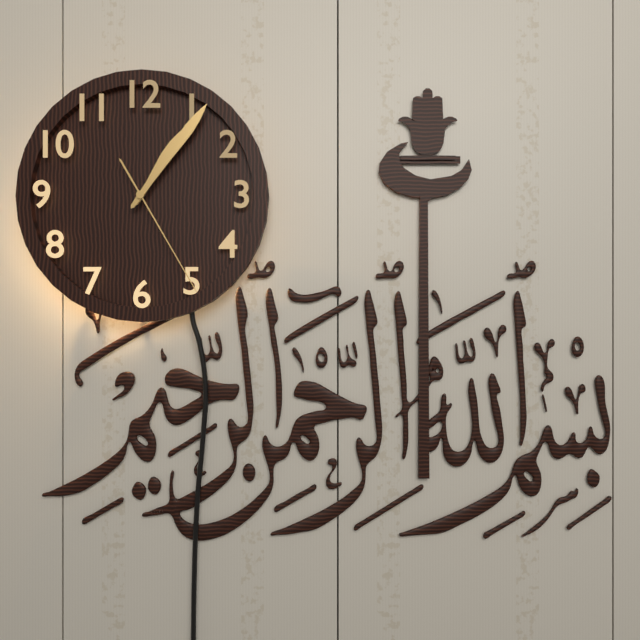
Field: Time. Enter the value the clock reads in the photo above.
1:06:25
